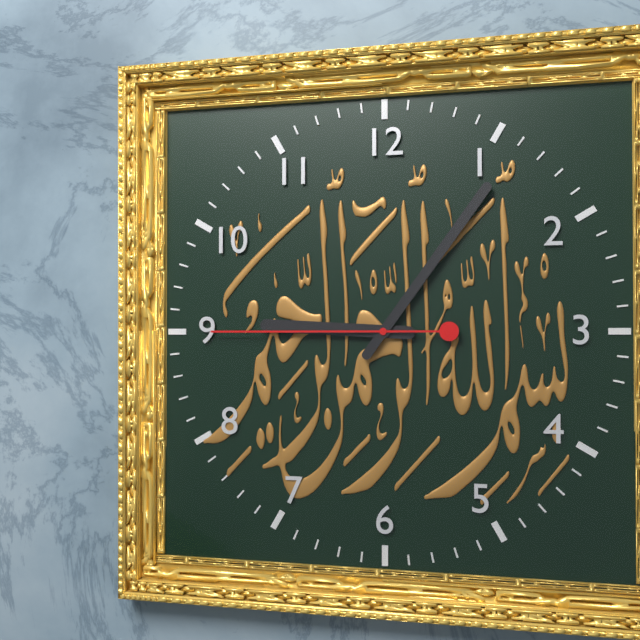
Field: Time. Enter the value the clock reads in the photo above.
9:06:45
